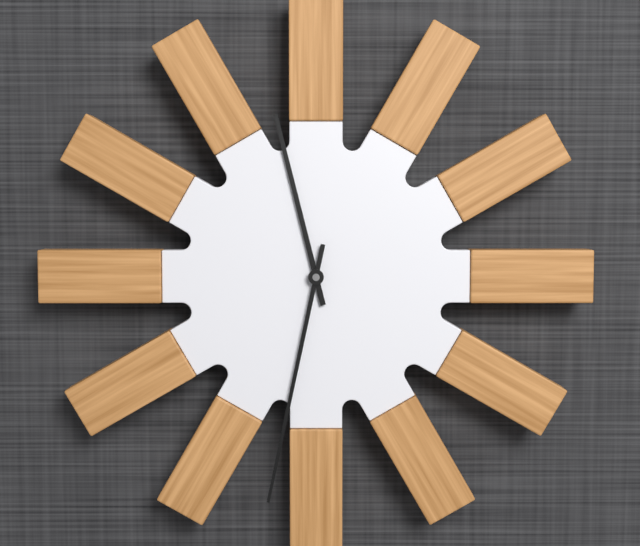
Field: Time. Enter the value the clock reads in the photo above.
11:32
